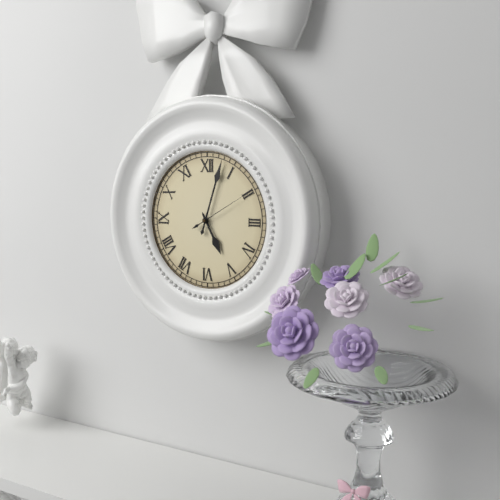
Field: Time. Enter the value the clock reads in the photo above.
5:03:10
